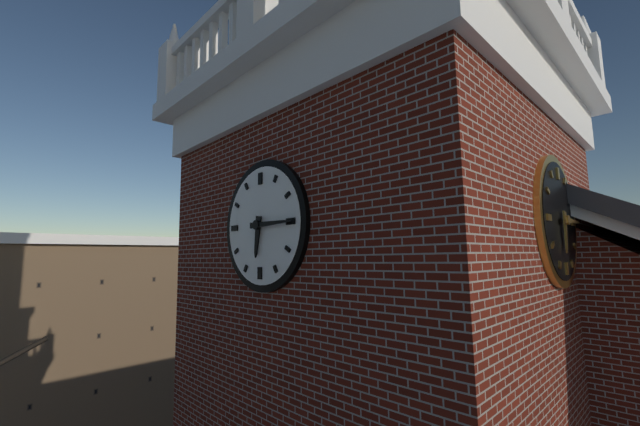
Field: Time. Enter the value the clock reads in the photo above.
6:15
